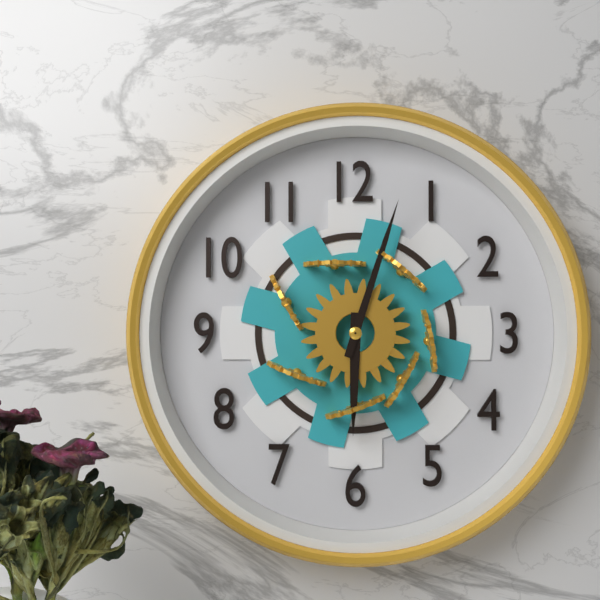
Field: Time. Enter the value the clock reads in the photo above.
6:03
